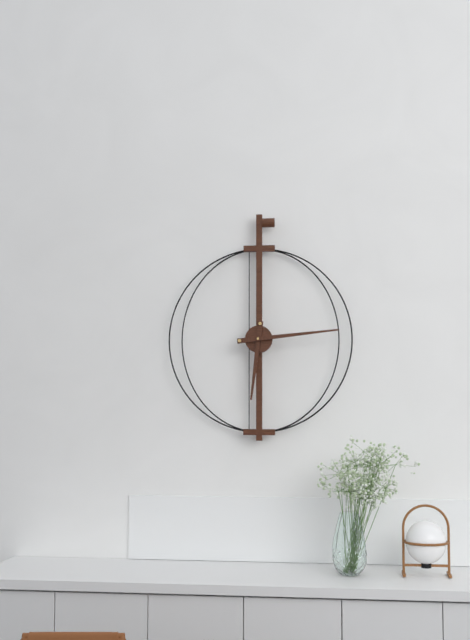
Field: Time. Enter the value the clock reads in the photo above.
6:14
